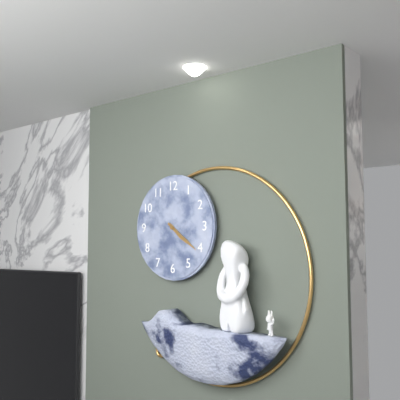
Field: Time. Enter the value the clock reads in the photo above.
4:21
